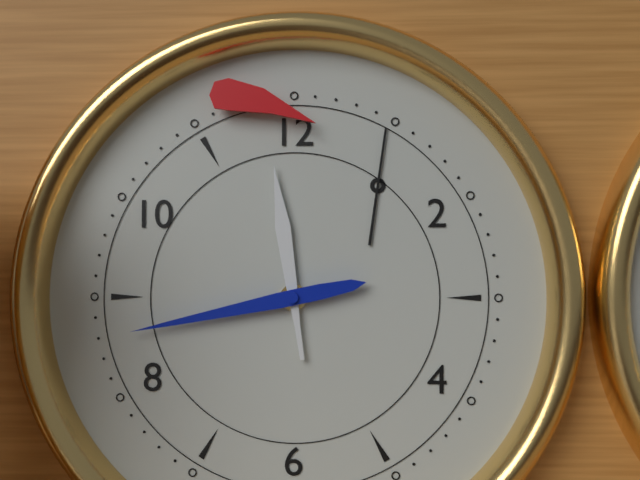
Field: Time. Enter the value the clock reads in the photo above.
11:43
